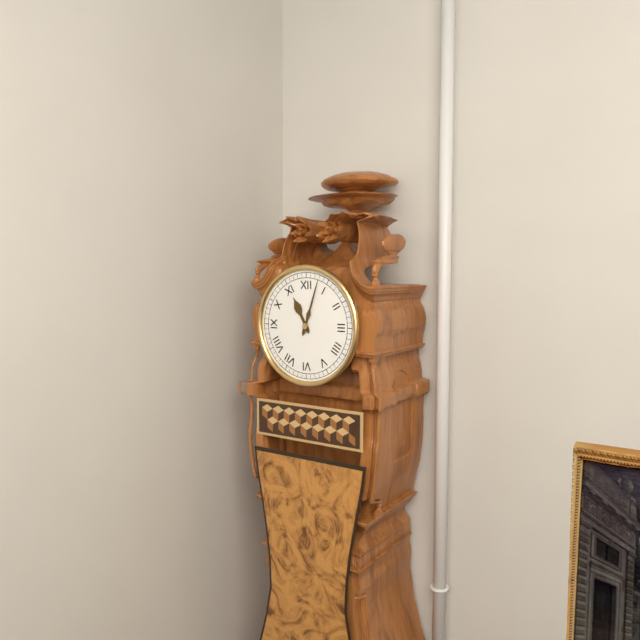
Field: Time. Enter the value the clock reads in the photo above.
11:03
